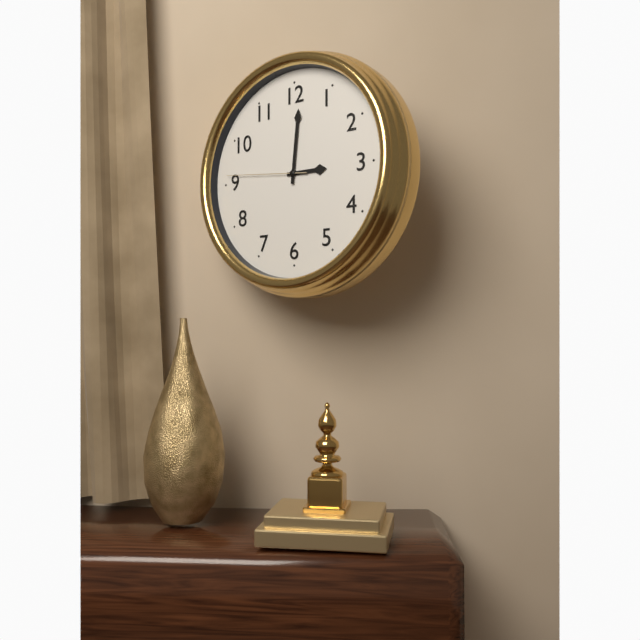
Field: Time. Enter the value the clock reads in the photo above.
3:01:46
